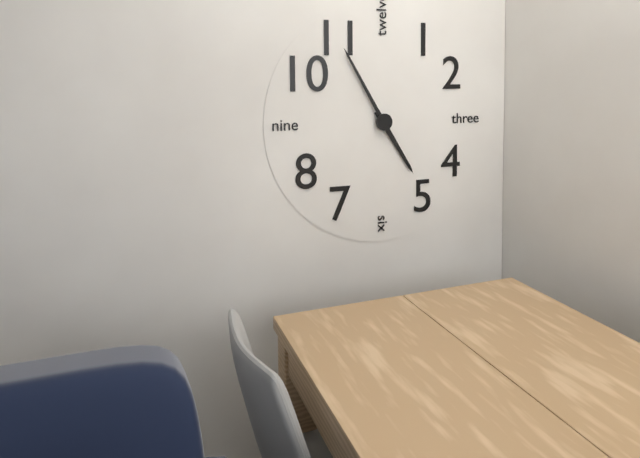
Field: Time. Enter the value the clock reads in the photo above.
4:55
